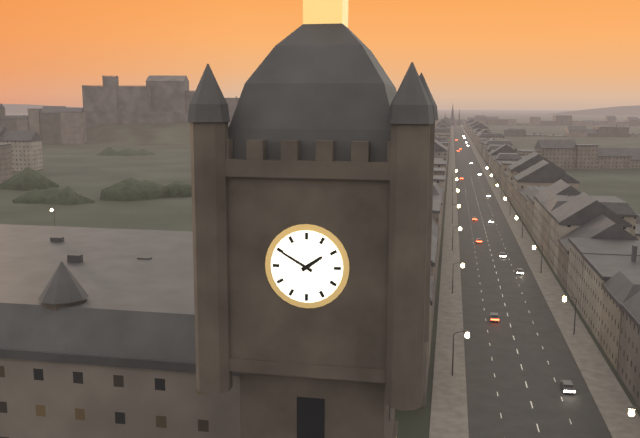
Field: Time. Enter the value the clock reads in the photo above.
1:50
